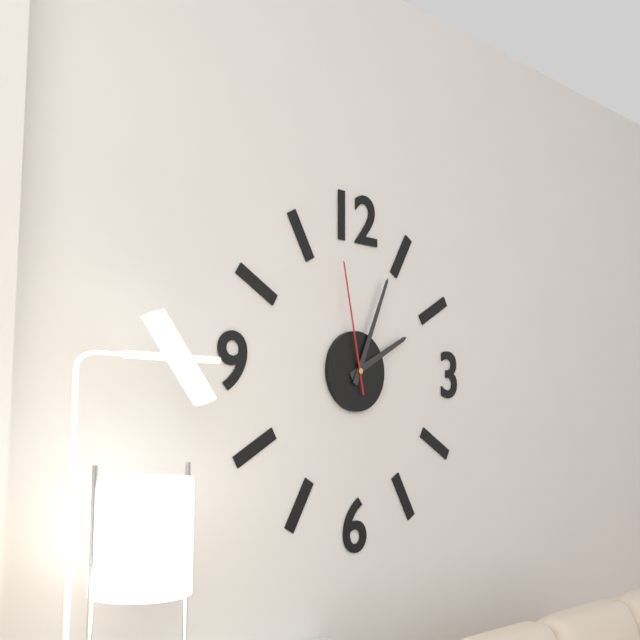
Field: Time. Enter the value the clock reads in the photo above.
2:04:58
